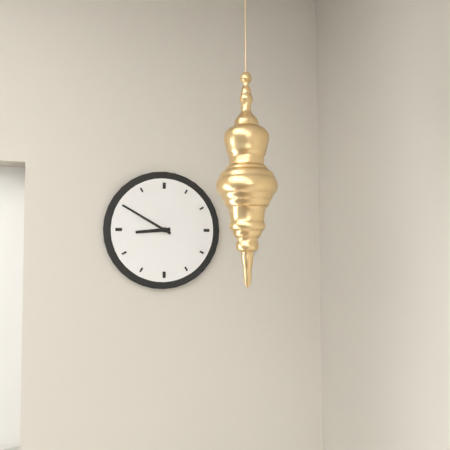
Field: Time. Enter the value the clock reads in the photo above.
8:50
